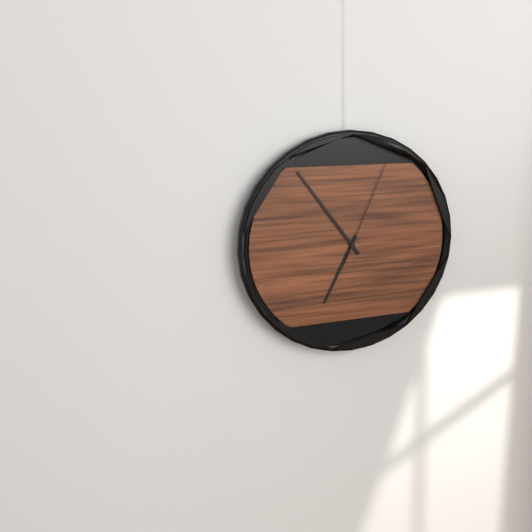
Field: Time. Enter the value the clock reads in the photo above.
6:54:04
